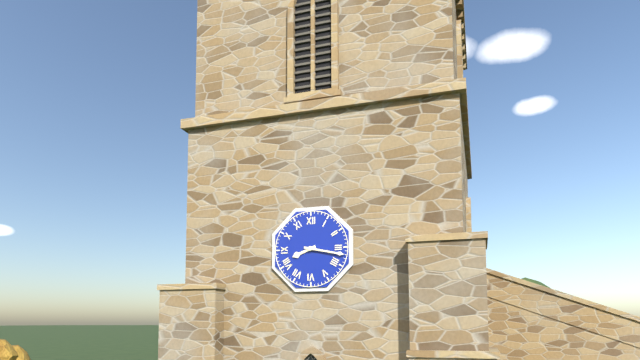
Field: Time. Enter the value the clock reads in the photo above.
8:17
